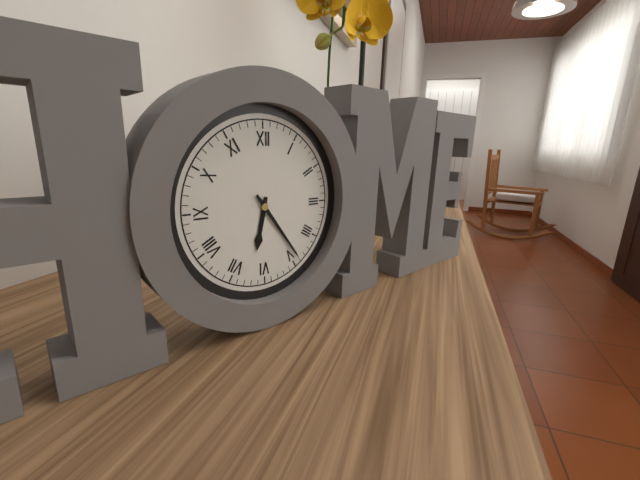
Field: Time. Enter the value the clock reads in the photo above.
6:24
